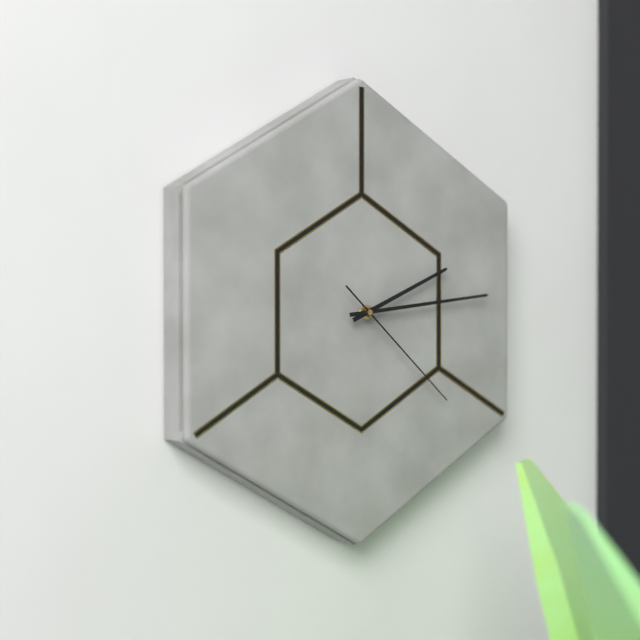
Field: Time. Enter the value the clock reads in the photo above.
2:14:22
